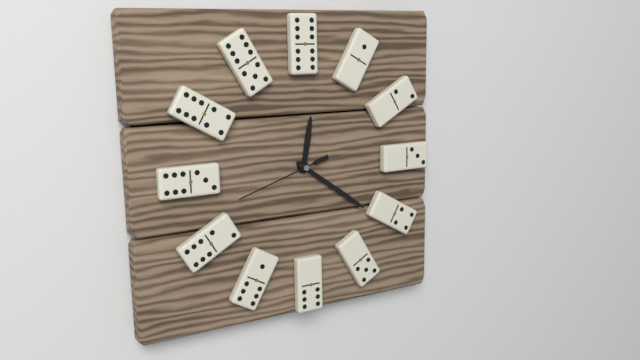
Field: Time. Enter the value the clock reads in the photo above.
12:21:42
